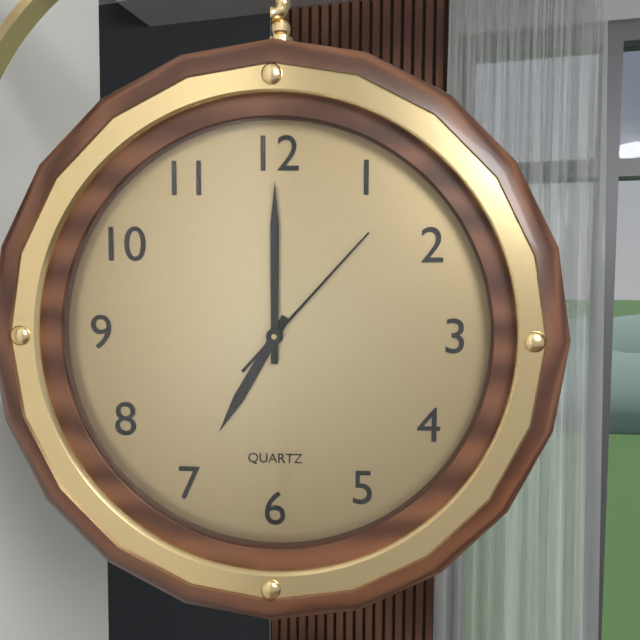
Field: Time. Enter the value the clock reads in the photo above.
7:00:07
